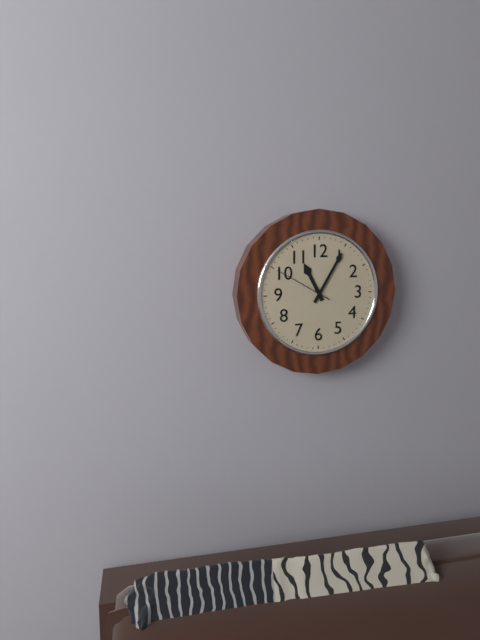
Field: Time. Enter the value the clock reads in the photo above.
11:05:50
